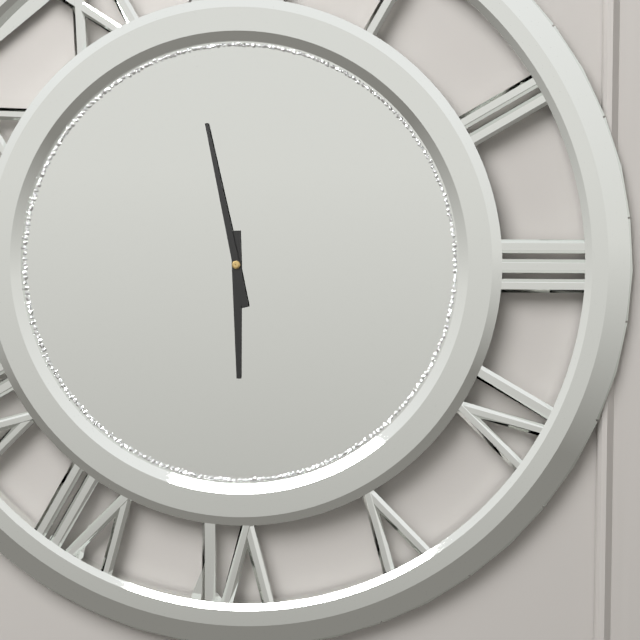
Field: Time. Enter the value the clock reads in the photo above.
5:58
